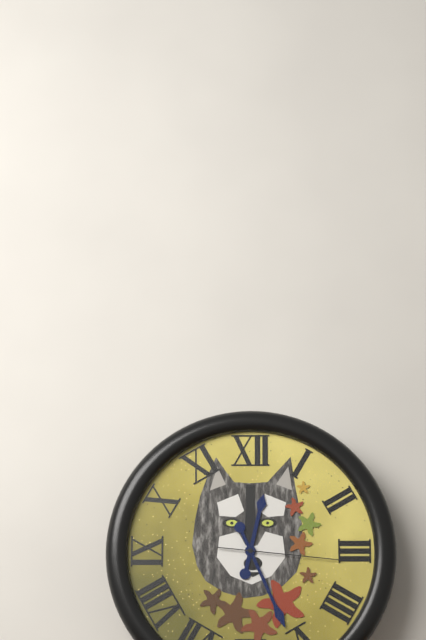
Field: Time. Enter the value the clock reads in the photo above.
12:26:16
